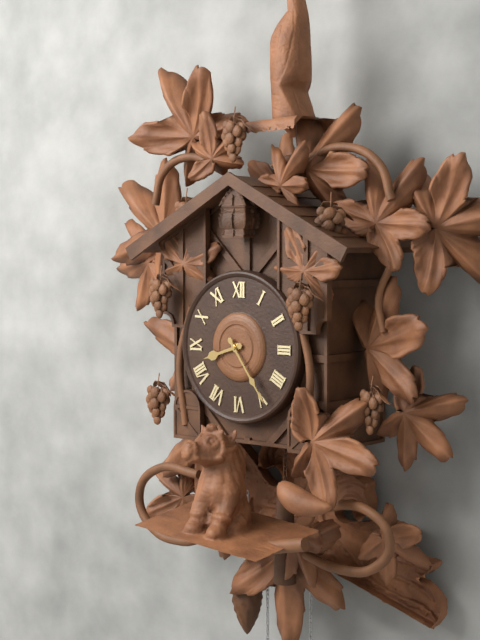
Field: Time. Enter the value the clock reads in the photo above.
8:24
